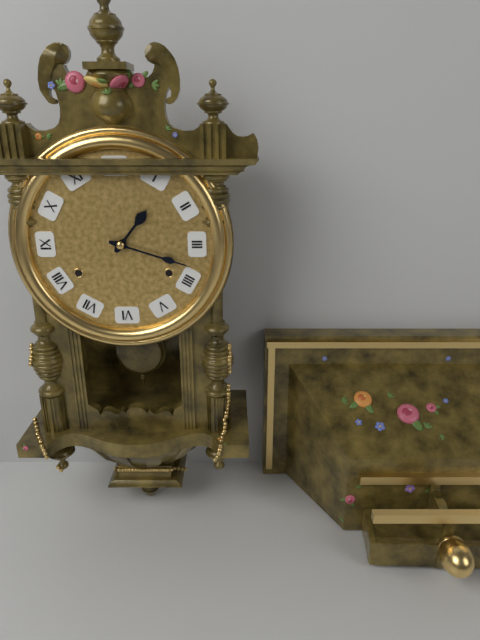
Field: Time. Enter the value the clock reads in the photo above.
1:18
